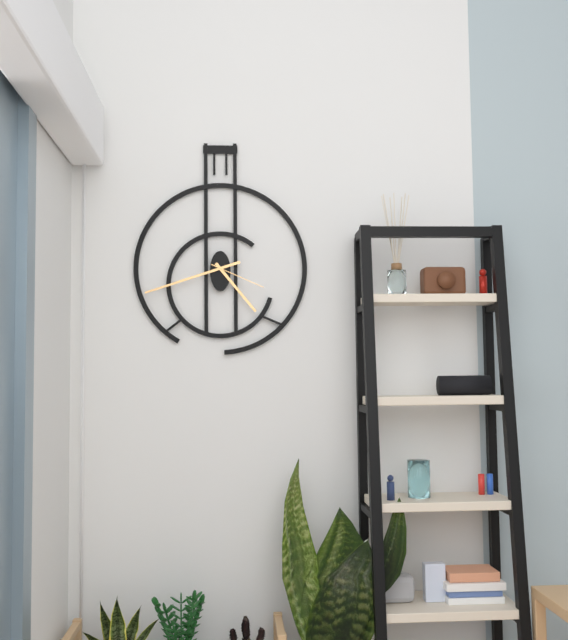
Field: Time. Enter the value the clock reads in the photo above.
4:42:19
